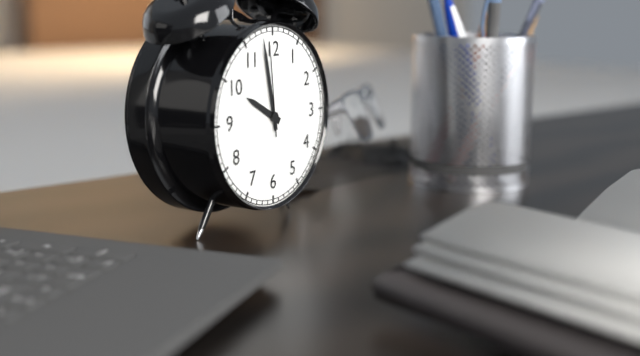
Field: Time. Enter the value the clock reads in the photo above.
9:58:59
